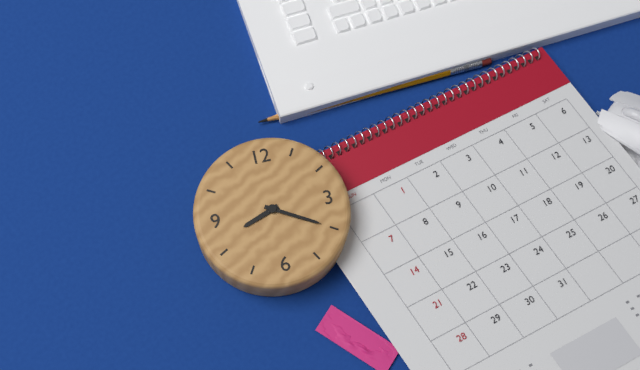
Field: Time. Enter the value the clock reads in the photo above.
8:20
